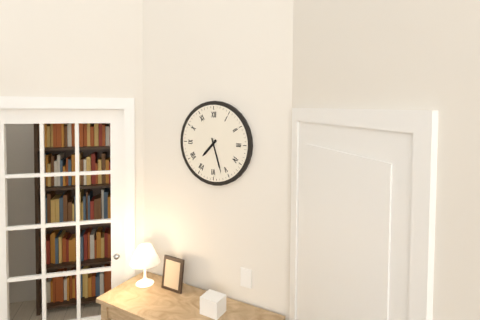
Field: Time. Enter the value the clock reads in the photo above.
7:27
